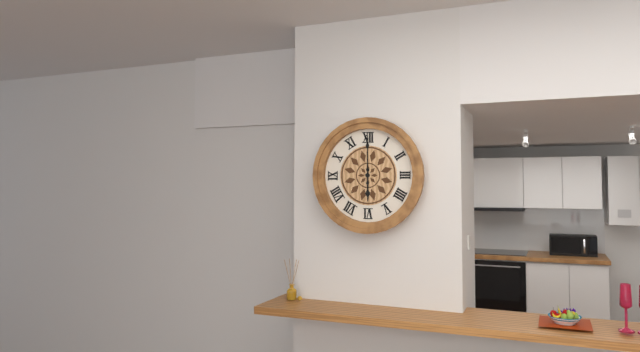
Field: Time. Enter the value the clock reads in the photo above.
6:00
